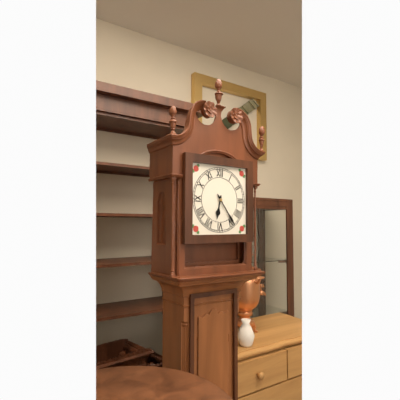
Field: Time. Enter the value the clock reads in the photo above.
6:24
